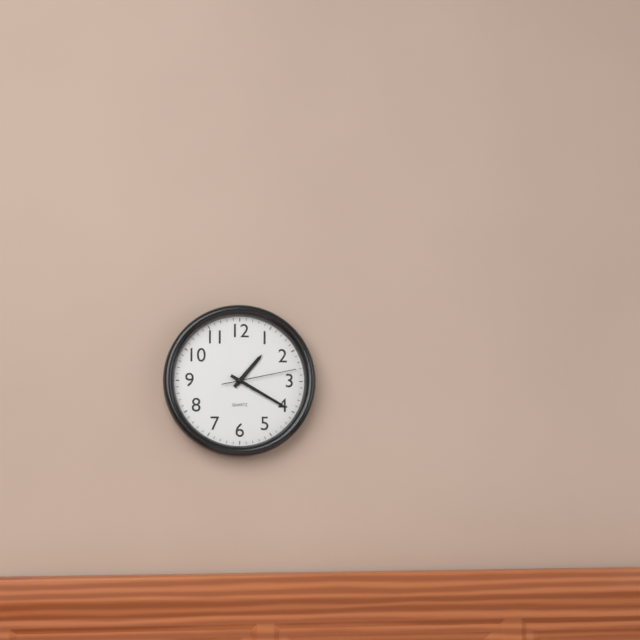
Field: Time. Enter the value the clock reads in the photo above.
1:20:13
